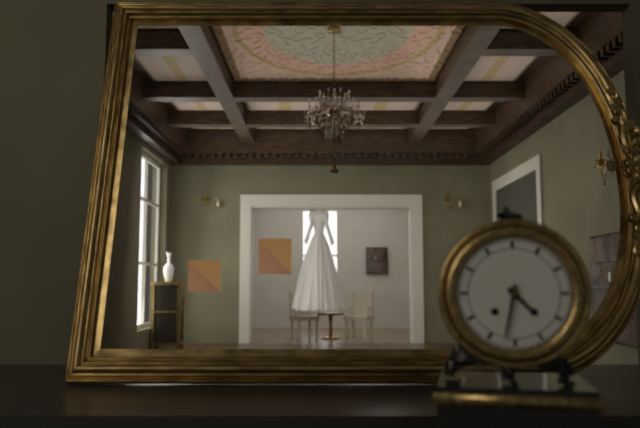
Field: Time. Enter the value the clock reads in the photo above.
4:32
